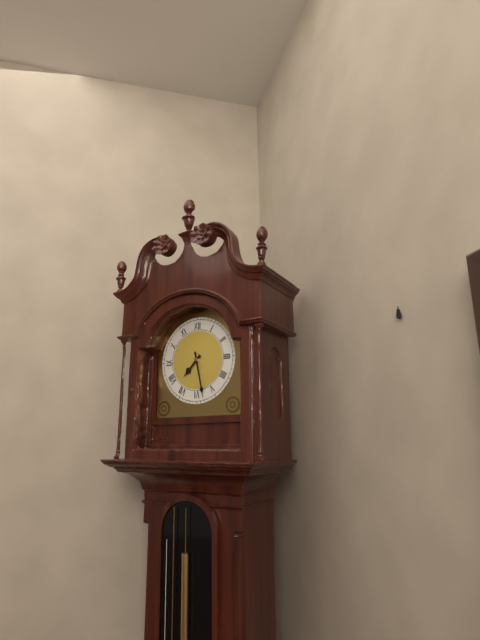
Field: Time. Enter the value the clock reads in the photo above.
7:28
